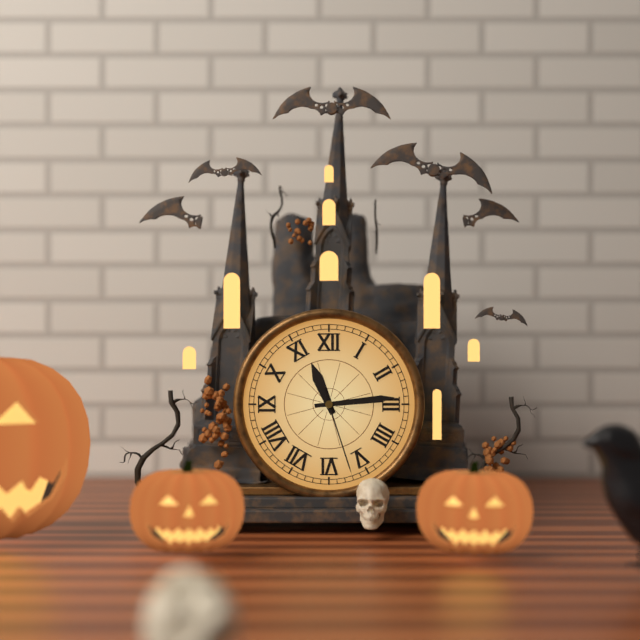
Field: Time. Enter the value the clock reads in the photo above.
11:14:27
